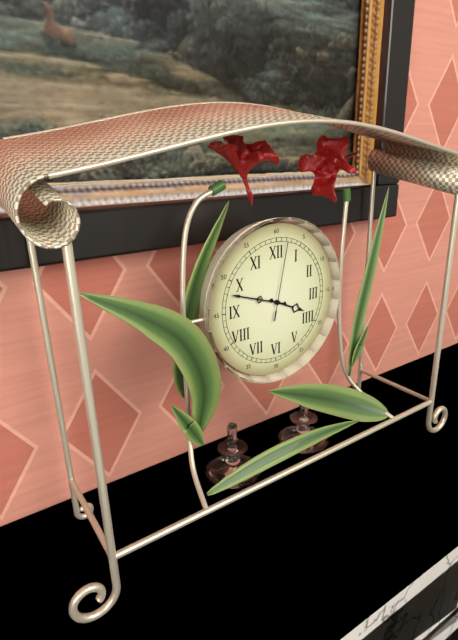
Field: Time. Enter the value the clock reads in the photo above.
3:48:02
